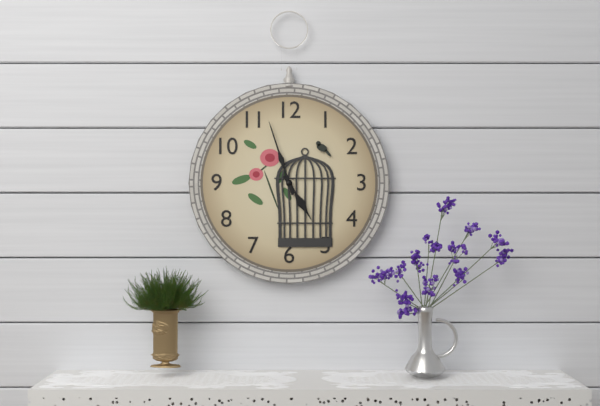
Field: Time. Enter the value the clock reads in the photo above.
4:57
